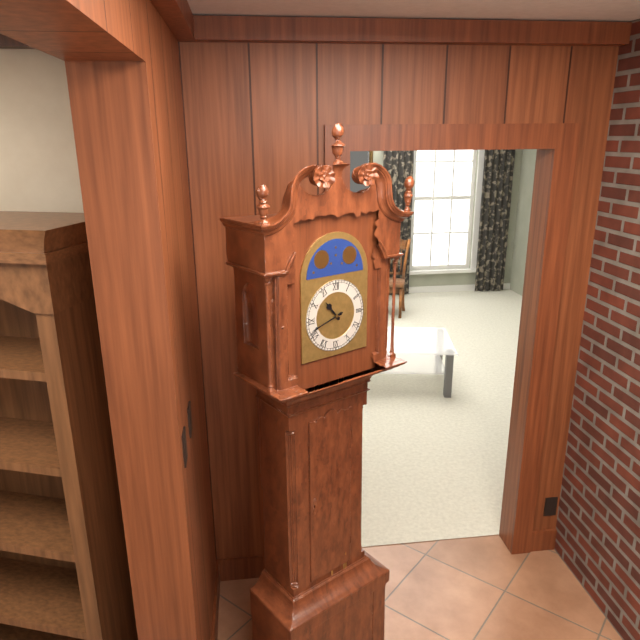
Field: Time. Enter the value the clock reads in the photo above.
10:42
